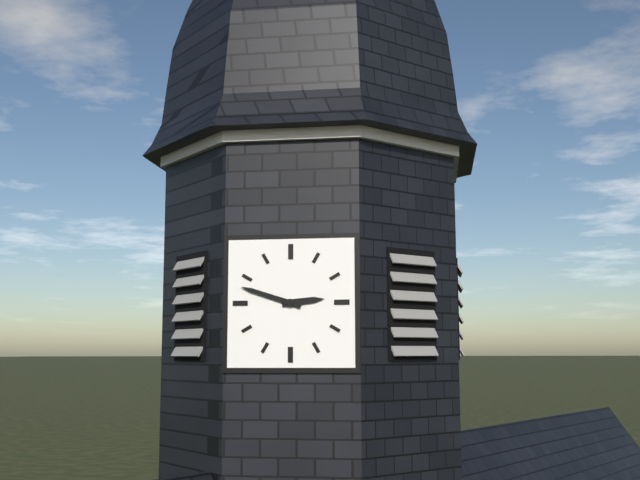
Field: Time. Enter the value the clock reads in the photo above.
2:48
